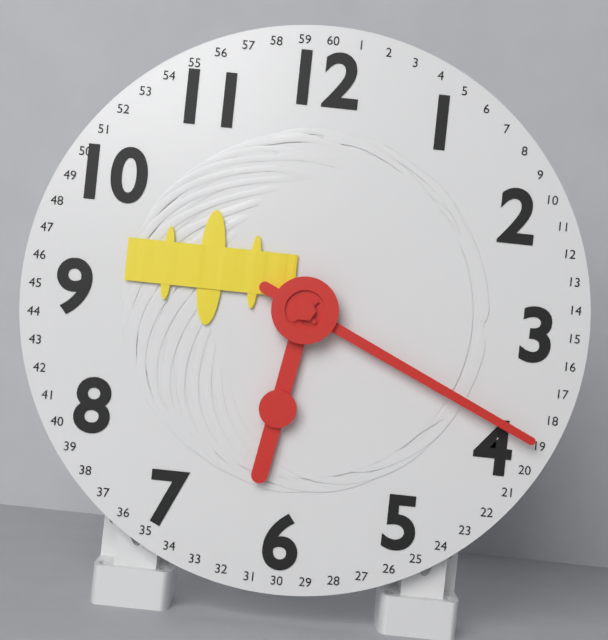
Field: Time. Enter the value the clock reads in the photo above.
6:19
